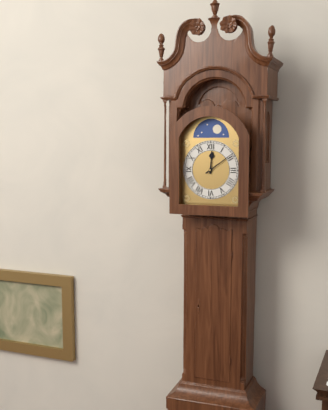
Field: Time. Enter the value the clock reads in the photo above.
12:09
